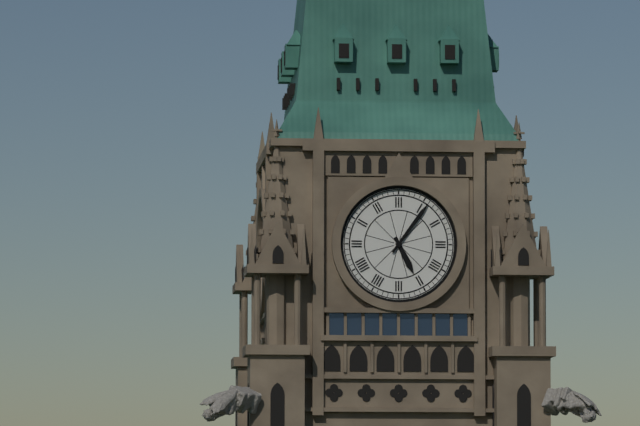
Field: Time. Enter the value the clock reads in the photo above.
5:06
